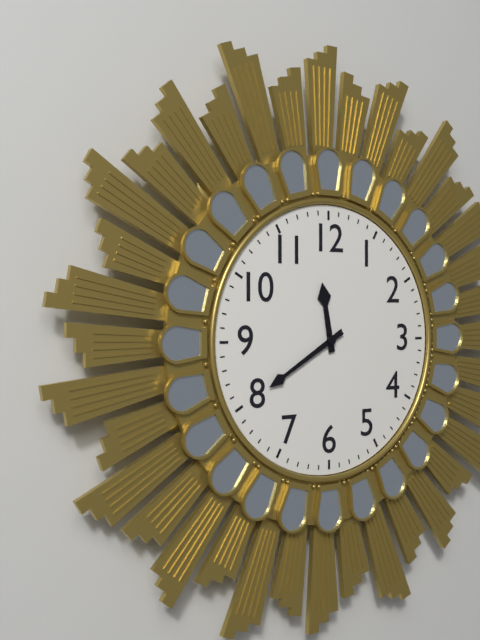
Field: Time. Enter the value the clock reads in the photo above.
11:40
